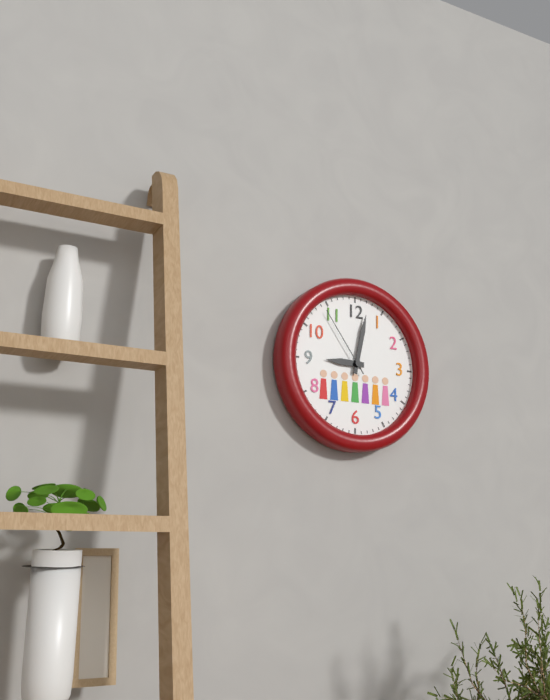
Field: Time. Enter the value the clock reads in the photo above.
9:02:54
